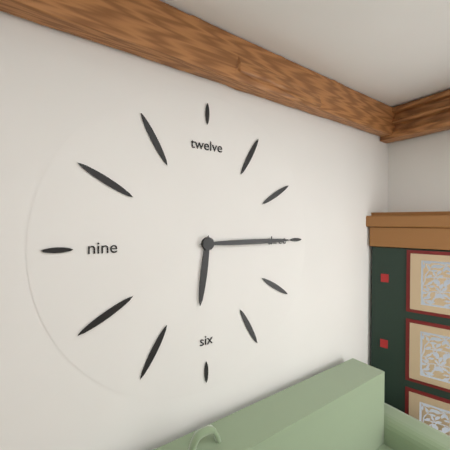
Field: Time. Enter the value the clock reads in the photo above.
6:15
